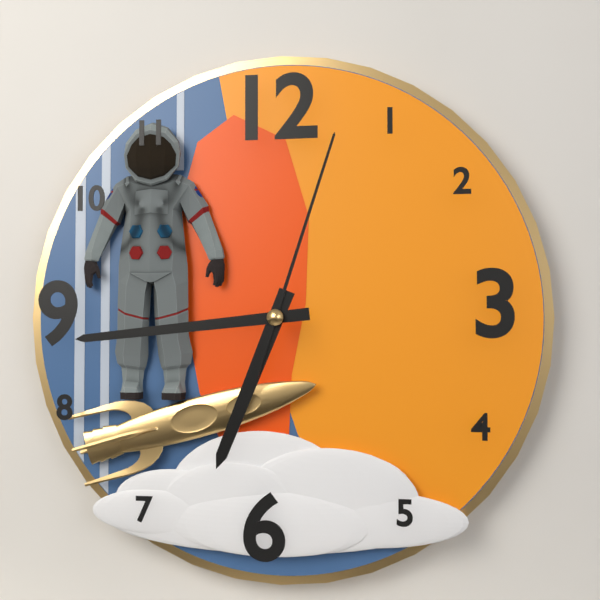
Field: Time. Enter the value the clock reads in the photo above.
6:44:03
